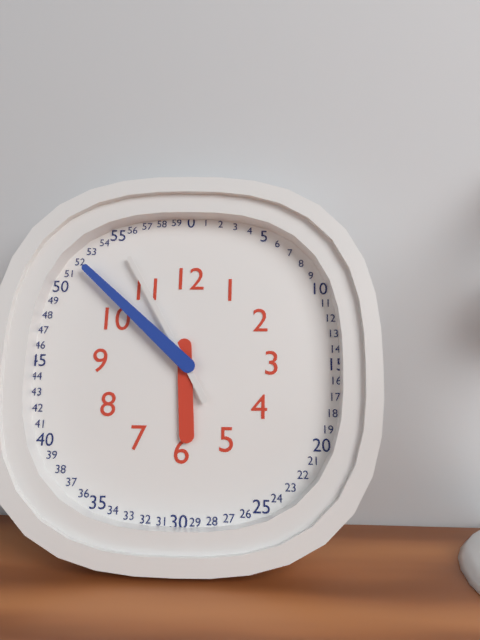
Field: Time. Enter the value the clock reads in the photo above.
5:52:55
